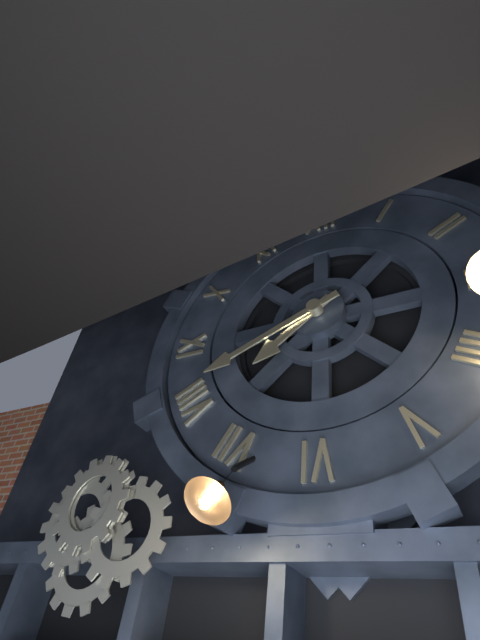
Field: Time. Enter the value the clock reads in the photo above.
7:41
